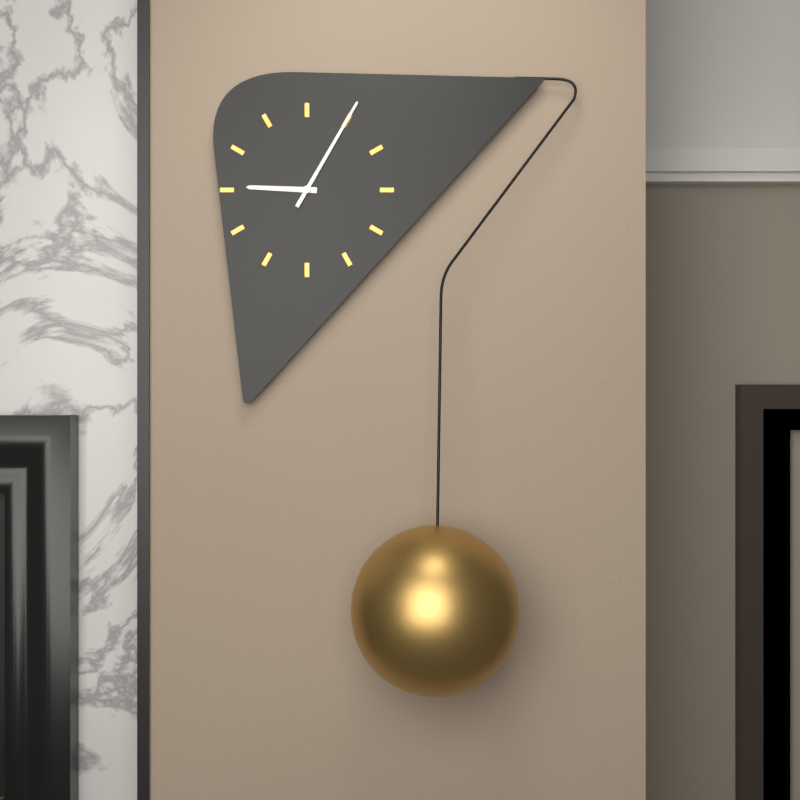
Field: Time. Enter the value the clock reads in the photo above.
9:05
